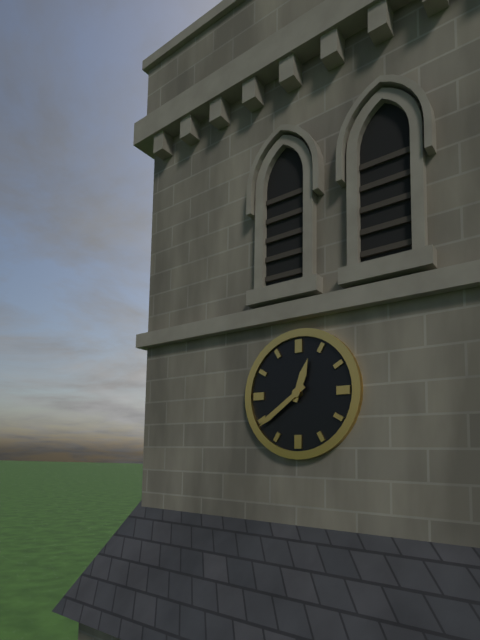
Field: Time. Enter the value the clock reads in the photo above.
12:39
